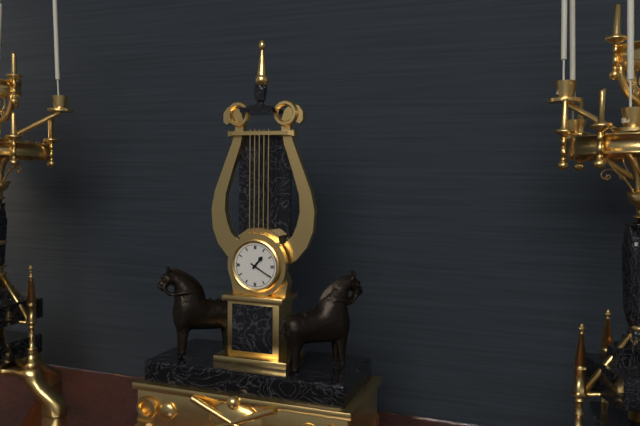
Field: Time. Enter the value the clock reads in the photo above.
1:20
